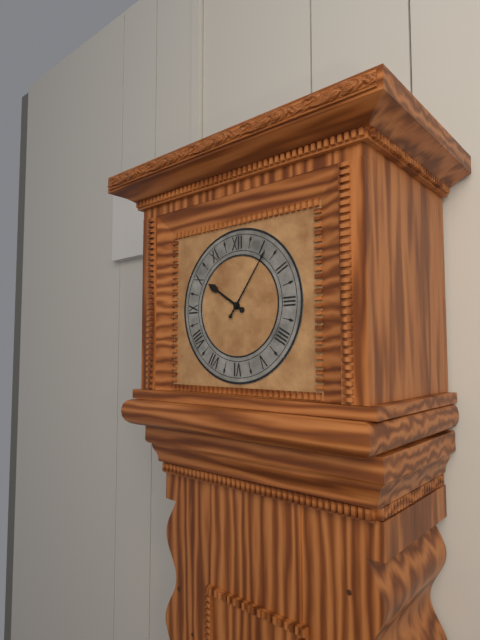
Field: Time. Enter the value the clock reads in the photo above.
10:06
